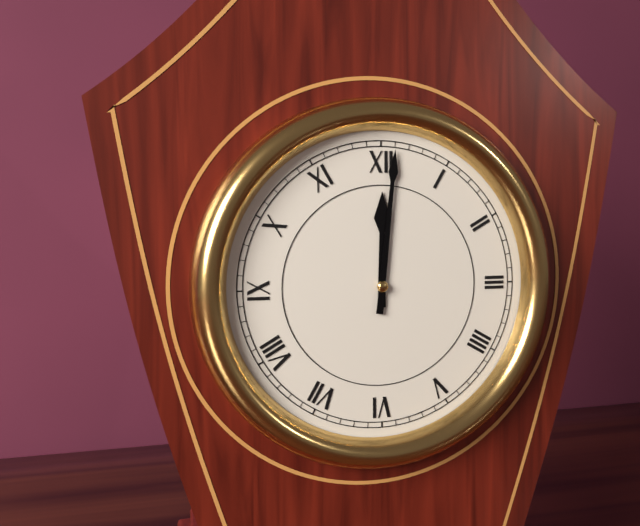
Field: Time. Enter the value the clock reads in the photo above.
12:01
